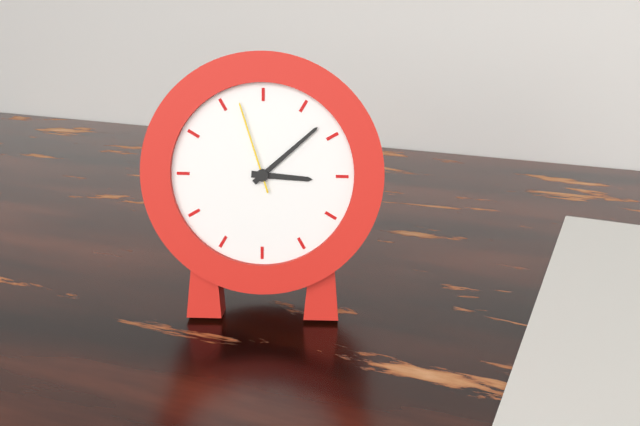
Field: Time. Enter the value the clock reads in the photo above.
3:08:57
